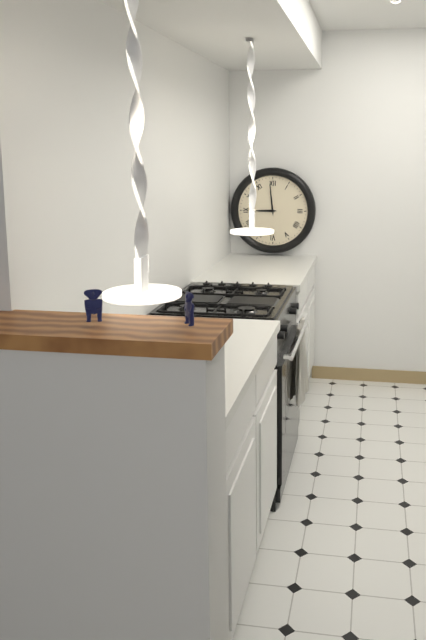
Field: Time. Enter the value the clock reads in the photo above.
8:59
